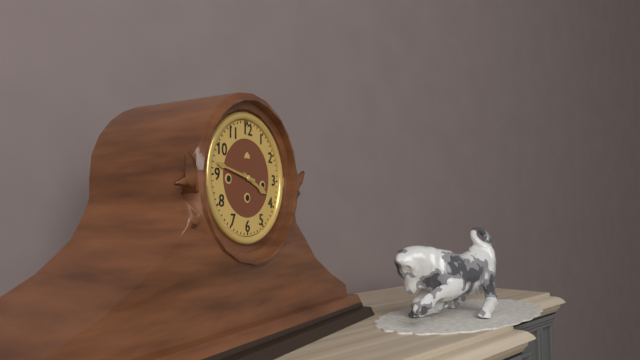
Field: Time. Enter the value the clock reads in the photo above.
3:47
